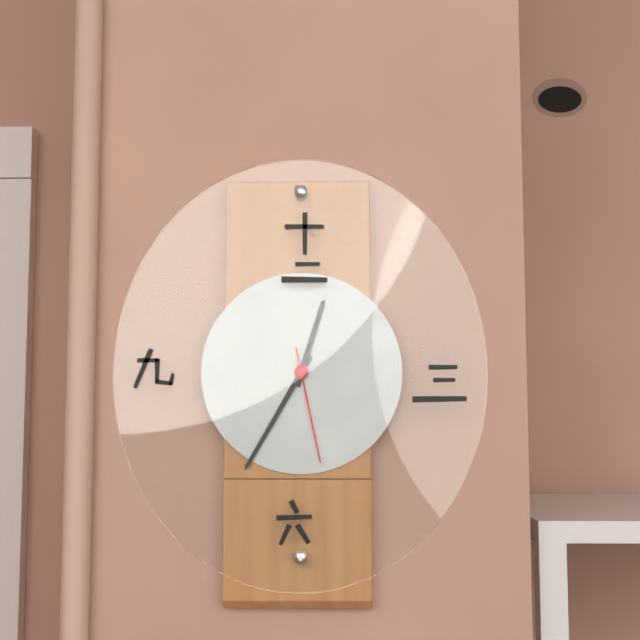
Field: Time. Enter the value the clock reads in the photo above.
12:35:28
